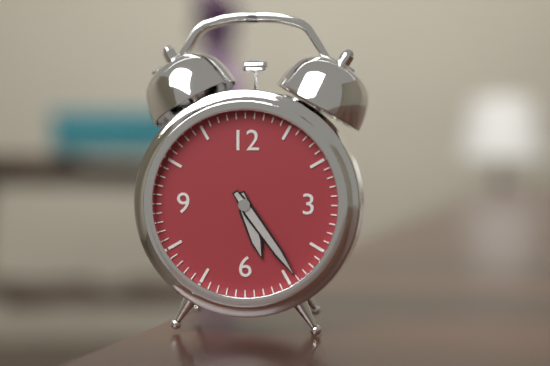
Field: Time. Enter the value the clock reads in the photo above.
5:24
